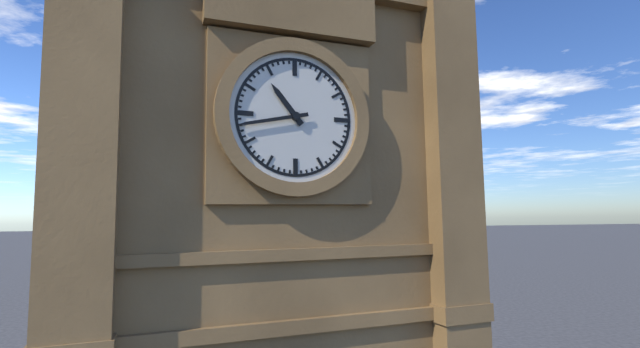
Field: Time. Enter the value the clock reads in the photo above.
10:43
